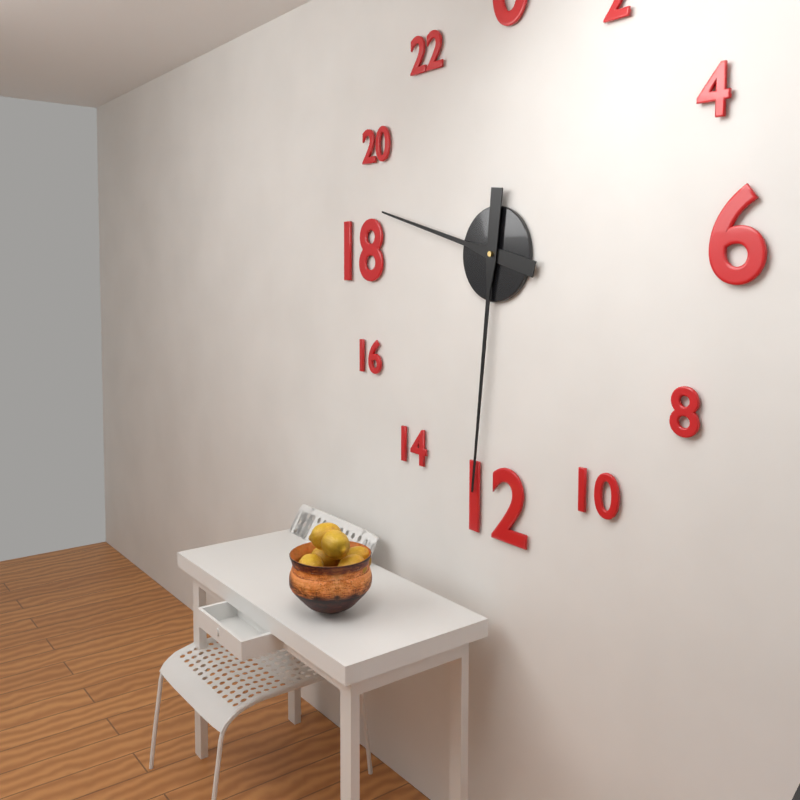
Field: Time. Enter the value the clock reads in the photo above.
9:31
